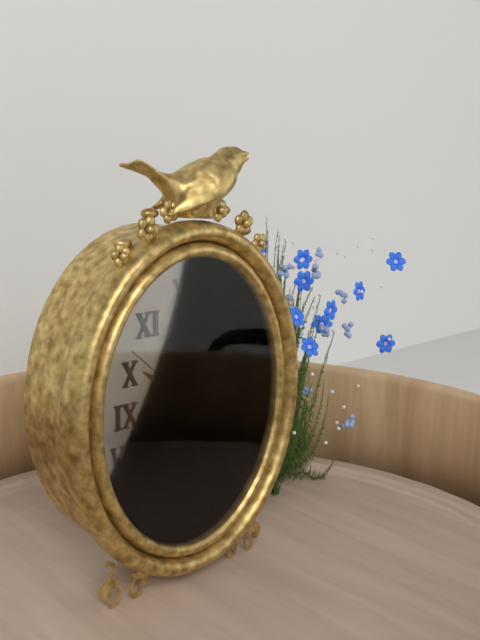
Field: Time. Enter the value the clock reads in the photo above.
10:12:52
